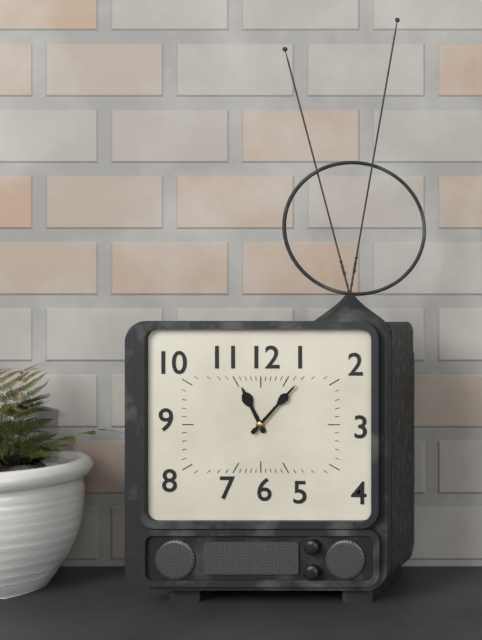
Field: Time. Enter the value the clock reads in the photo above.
11:07
